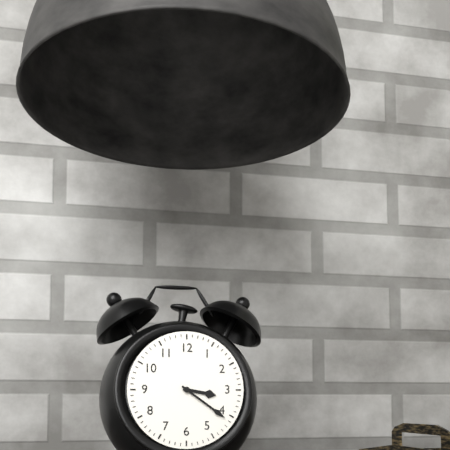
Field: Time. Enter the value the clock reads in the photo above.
3:21
